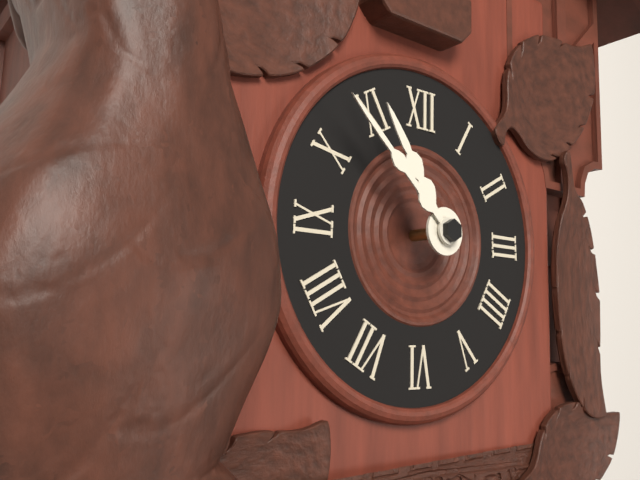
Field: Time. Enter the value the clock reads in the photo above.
10:52
